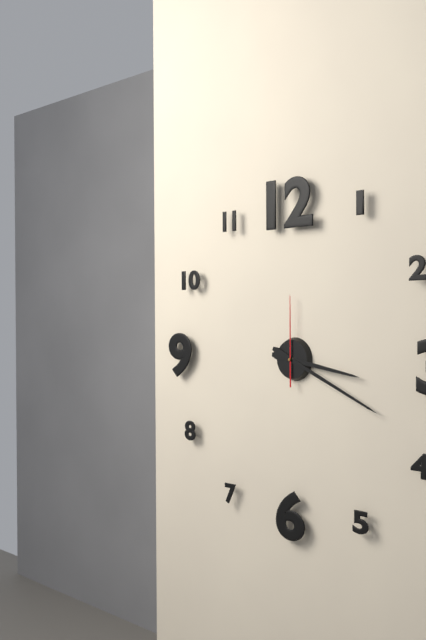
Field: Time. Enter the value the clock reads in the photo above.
3:19:00
